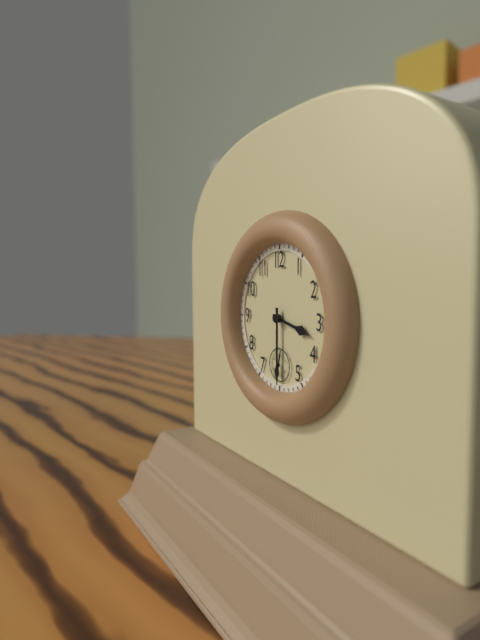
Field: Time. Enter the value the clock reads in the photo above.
3:30
